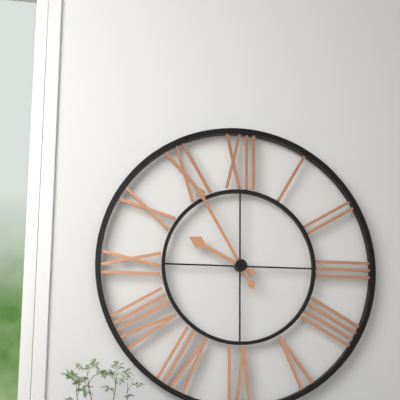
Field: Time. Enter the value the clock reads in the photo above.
9:55
